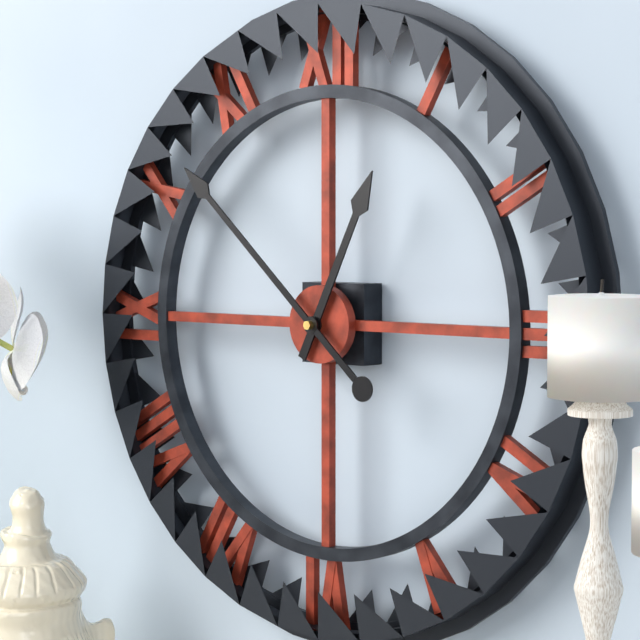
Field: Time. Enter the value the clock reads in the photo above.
12:52
